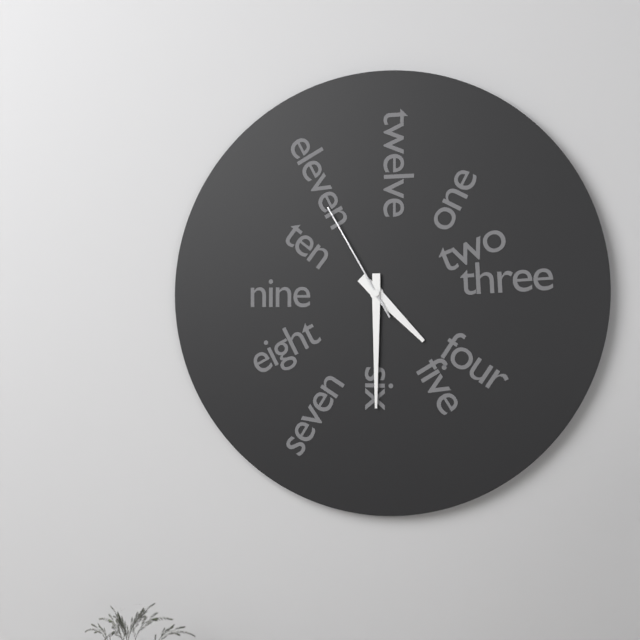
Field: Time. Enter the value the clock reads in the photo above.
4:30:55
